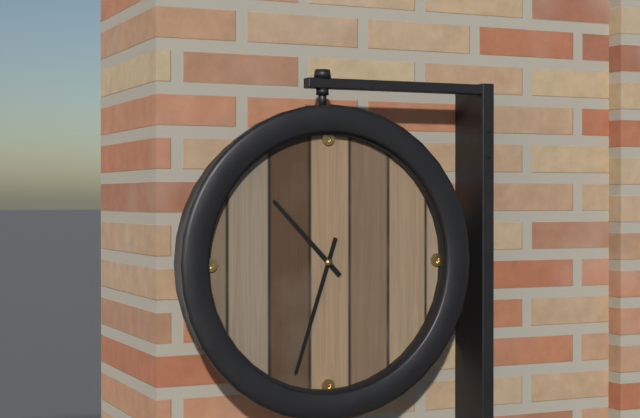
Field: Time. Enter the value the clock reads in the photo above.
10:33
